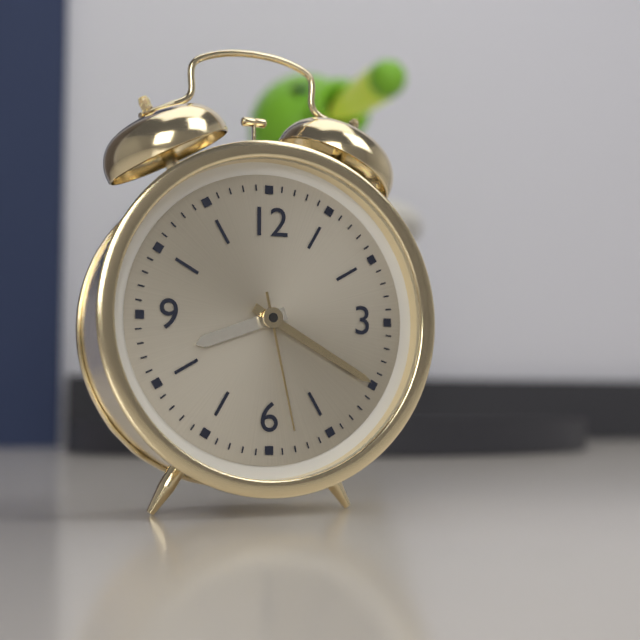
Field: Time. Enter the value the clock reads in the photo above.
8:20:28
